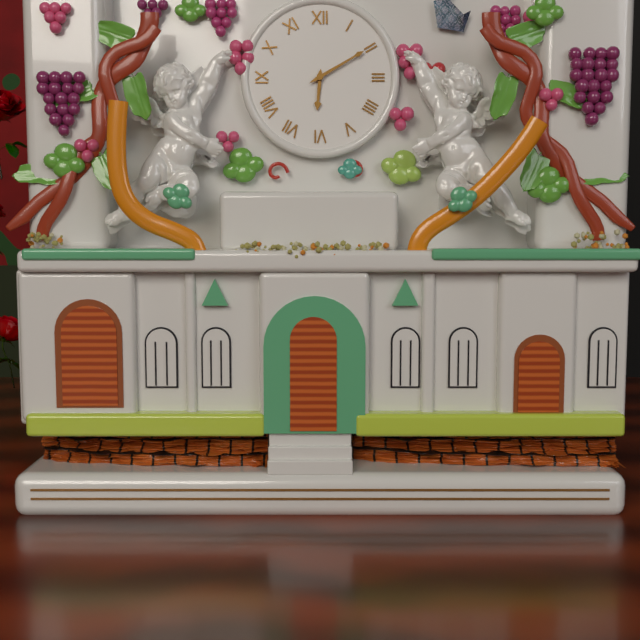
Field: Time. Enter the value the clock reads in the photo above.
6:10
